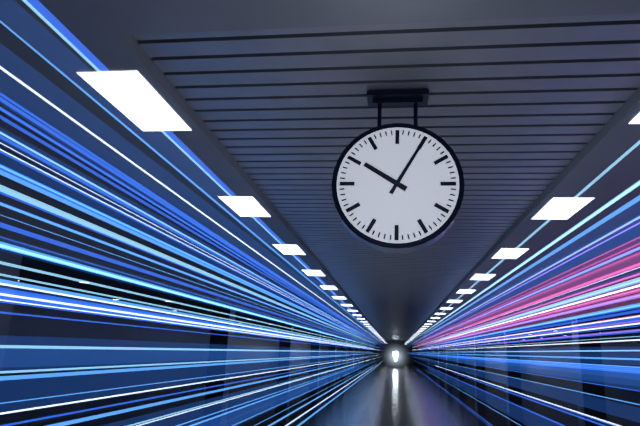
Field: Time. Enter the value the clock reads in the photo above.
10:05
